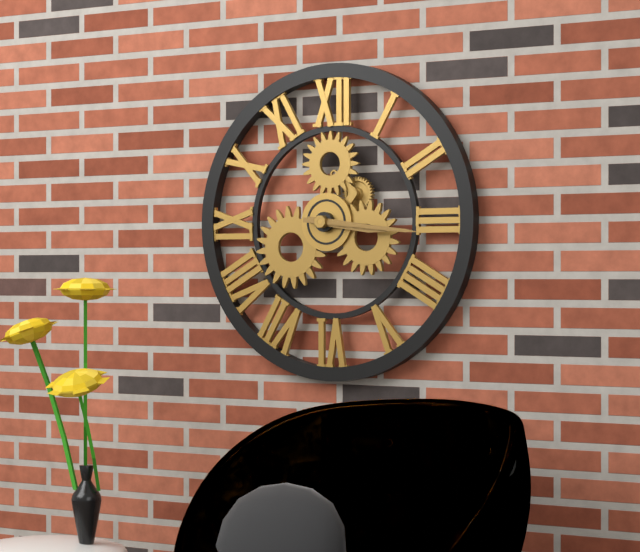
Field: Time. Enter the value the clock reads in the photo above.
3:16
